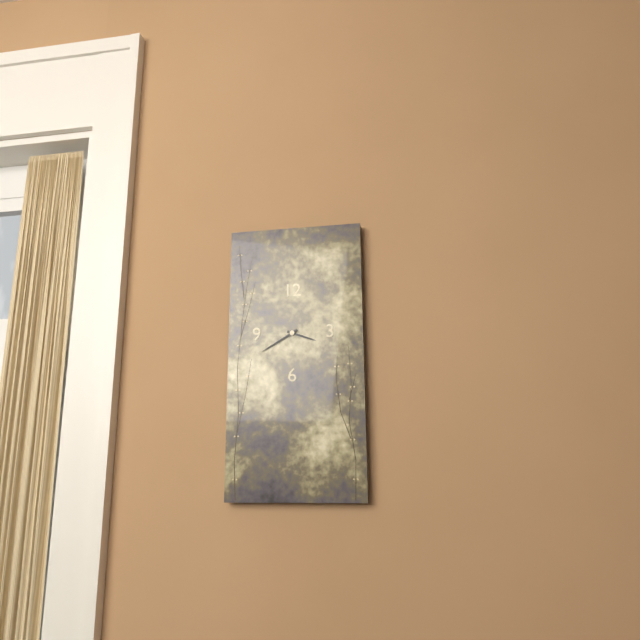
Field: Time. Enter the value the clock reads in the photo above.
3:40
